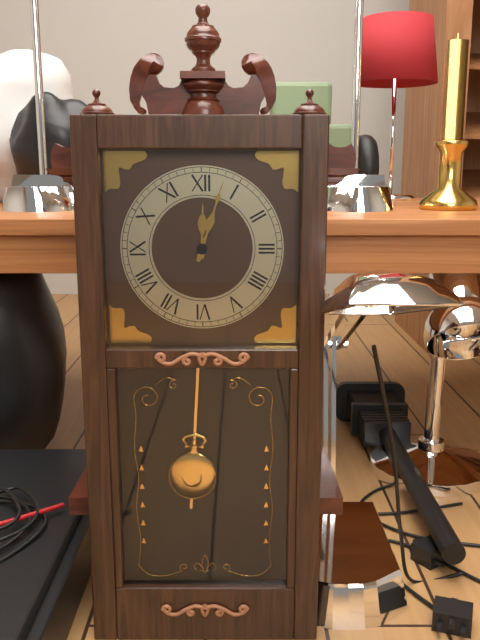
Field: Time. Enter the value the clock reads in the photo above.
12:03
